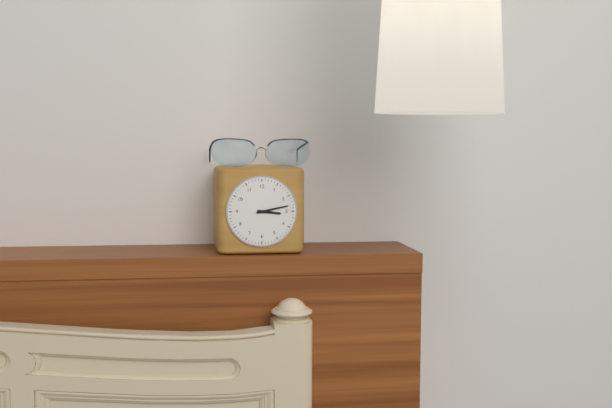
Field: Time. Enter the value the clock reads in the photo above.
3:13
